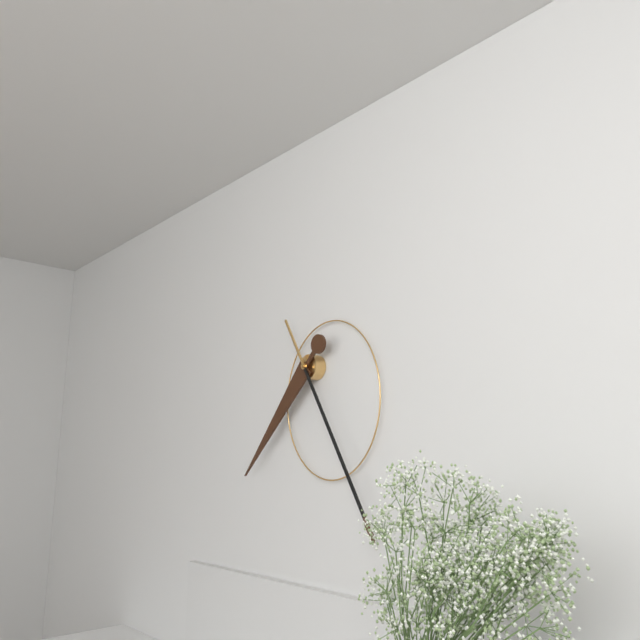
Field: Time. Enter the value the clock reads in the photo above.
7:25
